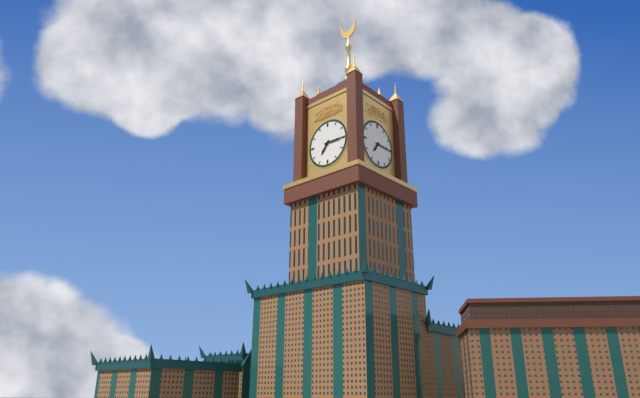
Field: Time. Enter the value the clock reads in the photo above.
7:15
